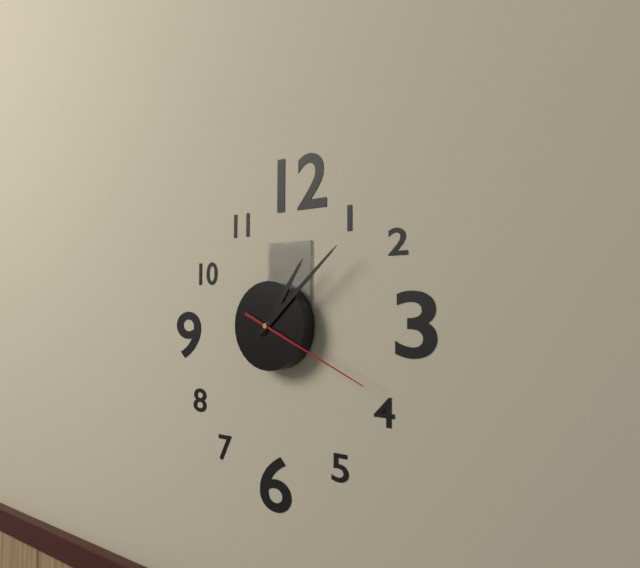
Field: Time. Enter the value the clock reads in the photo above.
1:08:19
